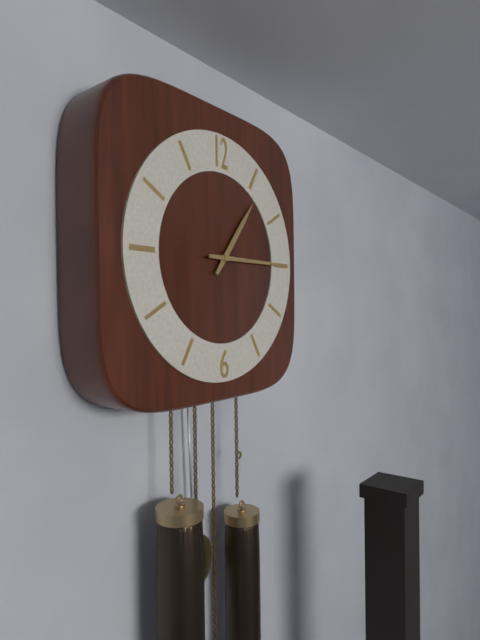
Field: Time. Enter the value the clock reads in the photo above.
1:15
